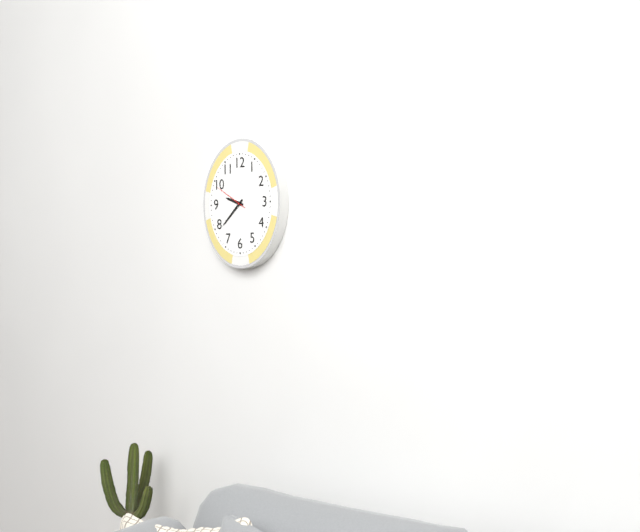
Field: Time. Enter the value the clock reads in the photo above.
9:38
